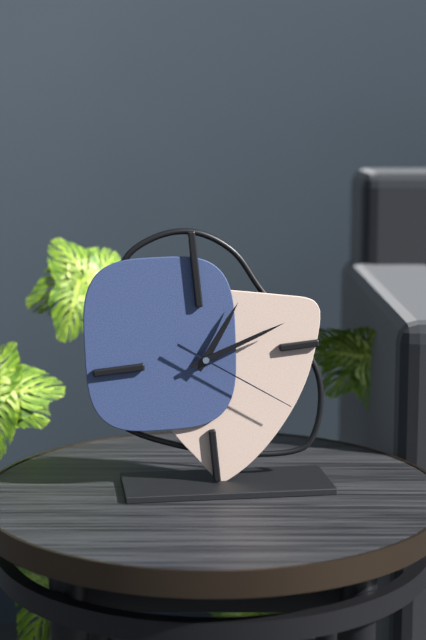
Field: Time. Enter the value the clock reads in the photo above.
1:12:21
